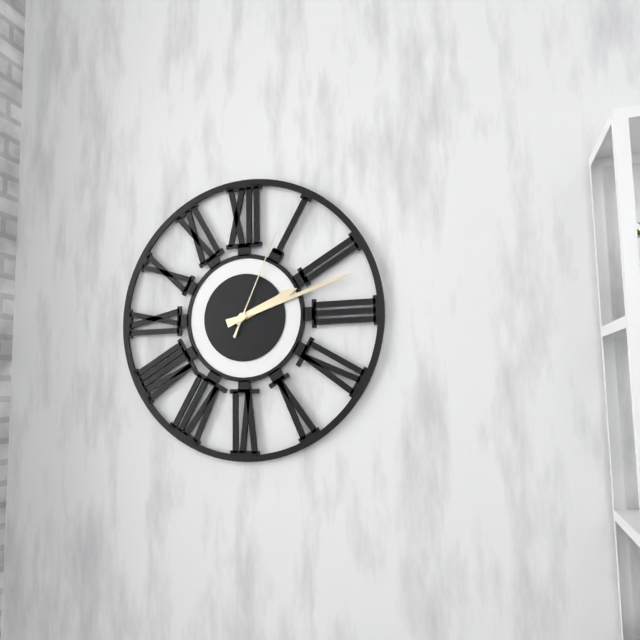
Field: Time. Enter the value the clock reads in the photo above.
2:12:04
